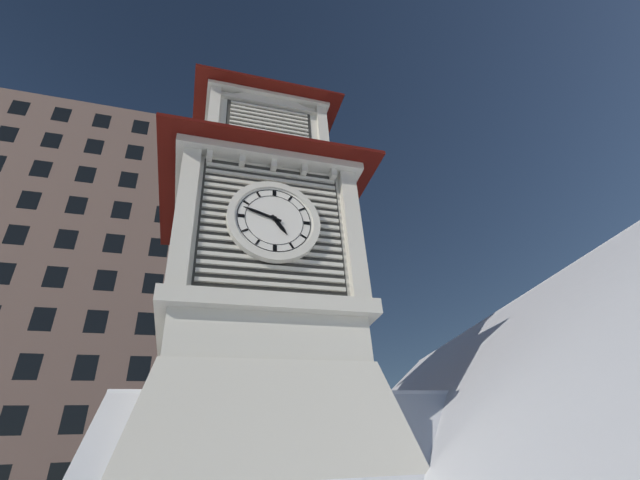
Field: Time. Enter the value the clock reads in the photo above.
4:48
